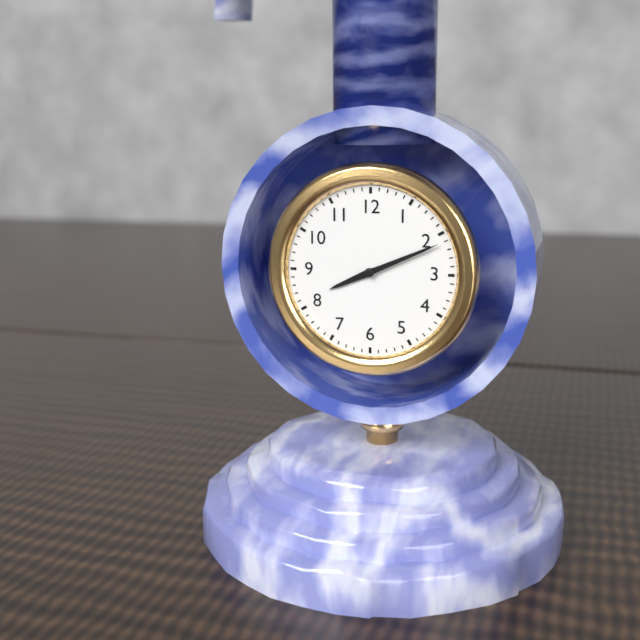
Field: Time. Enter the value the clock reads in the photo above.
8:11
